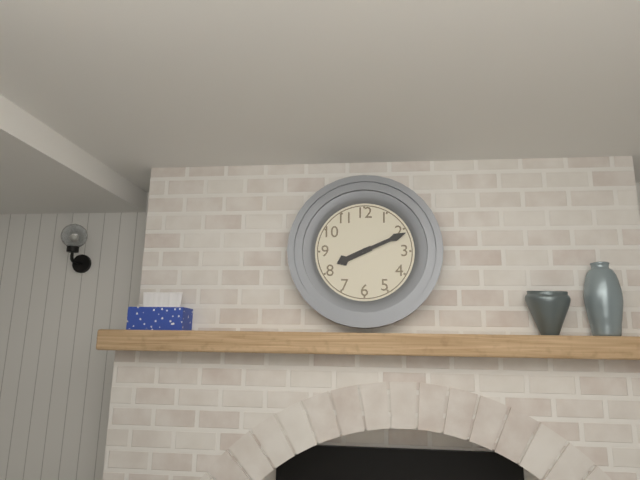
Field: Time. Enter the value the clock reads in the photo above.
8:11
